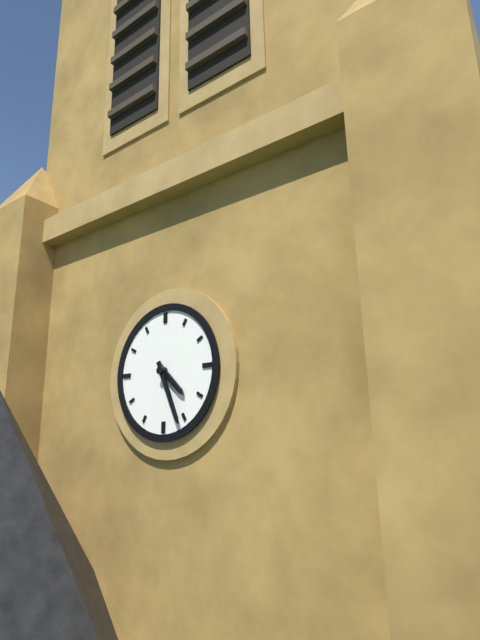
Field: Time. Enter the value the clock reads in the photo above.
4:26
